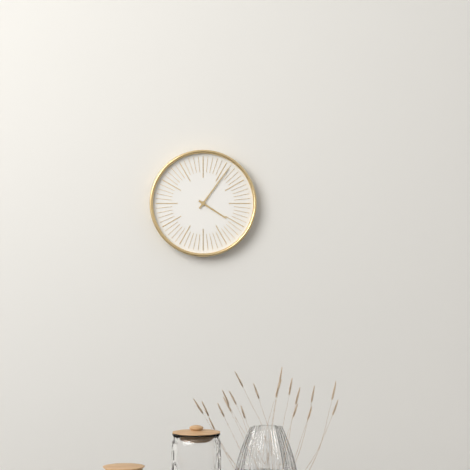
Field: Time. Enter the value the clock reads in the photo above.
4:06
